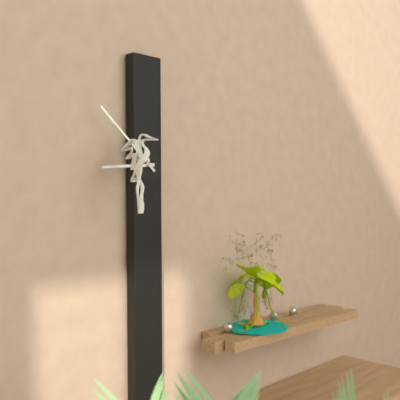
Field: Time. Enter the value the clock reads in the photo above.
8:52
